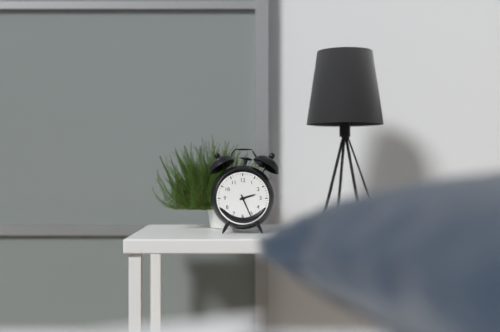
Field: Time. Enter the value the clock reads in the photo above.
2:26
